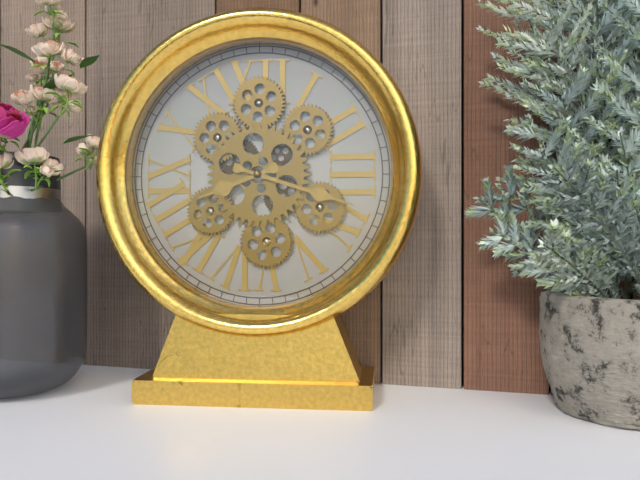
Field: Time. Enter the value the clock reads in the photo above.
8:18
